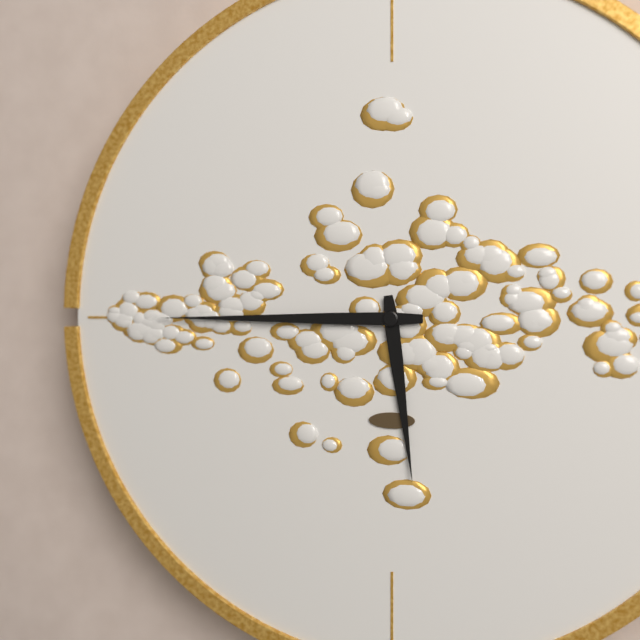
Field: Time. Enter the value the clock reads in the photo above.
5:45
